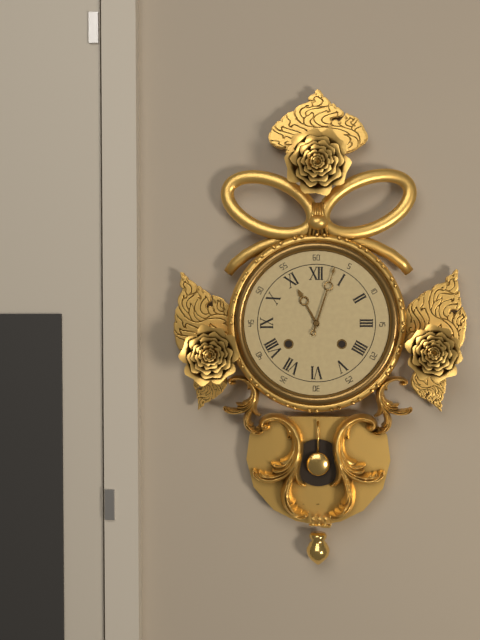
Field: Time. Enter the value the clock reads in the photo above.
11:03
